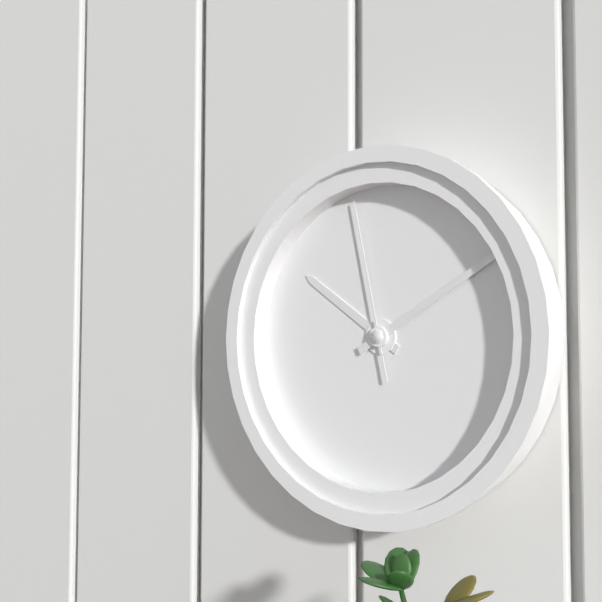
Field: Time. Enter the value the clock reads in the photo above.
10:10:58
